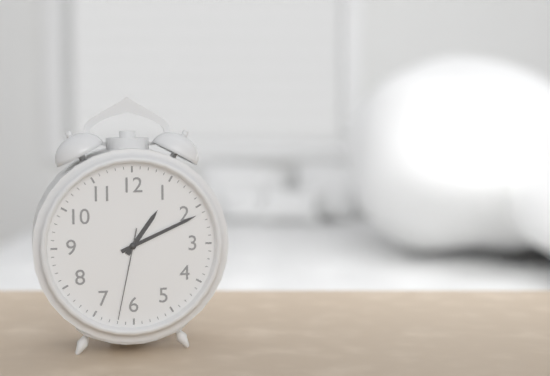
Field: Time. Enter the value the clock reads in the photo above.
1:11:32
